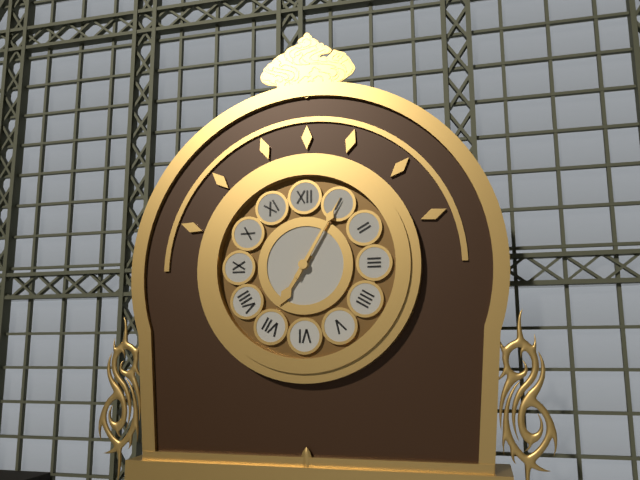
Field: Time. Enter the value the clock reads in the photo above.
7:05
